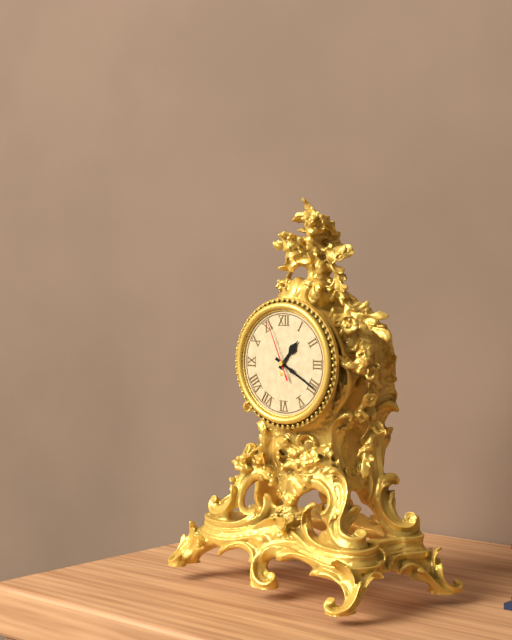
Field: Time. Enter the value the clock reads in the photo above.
1:20:56
